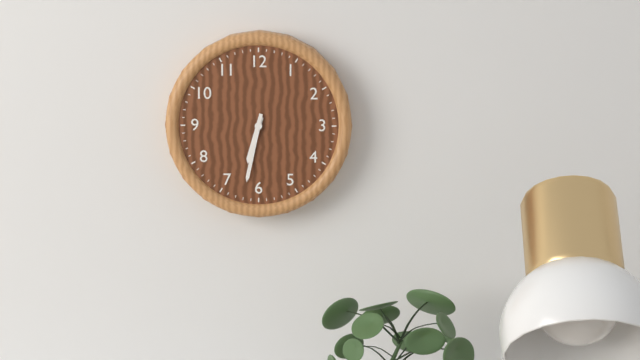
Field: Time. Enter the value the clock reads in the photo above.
6:32
